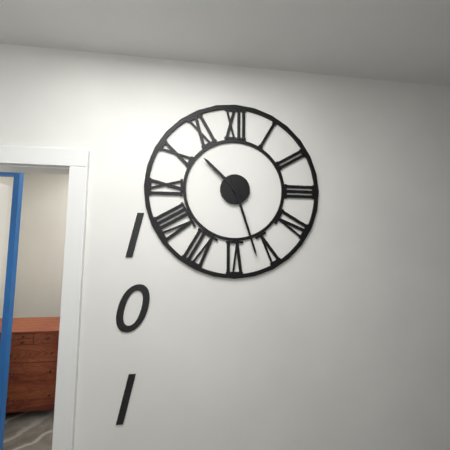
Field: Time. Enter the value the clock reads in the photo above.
10:27
